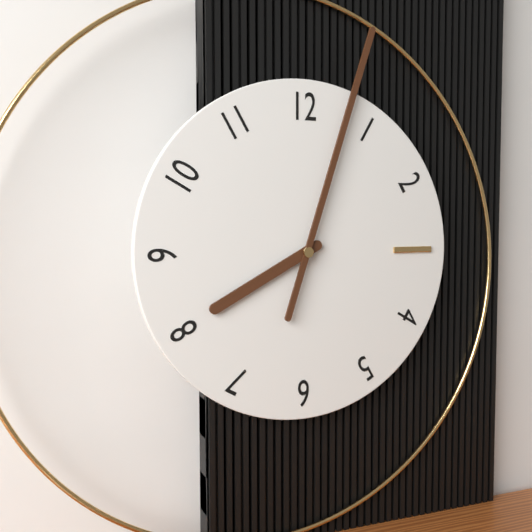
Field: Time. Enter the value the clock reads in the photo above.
8:03
